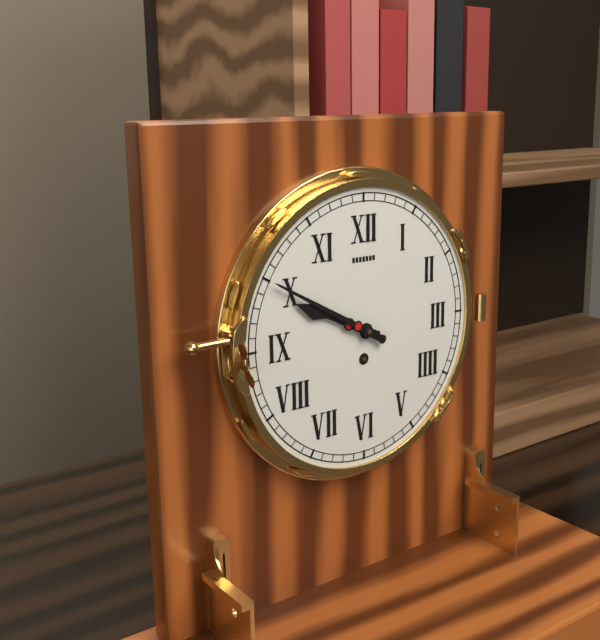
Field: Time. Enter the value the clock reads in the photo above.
9:50
